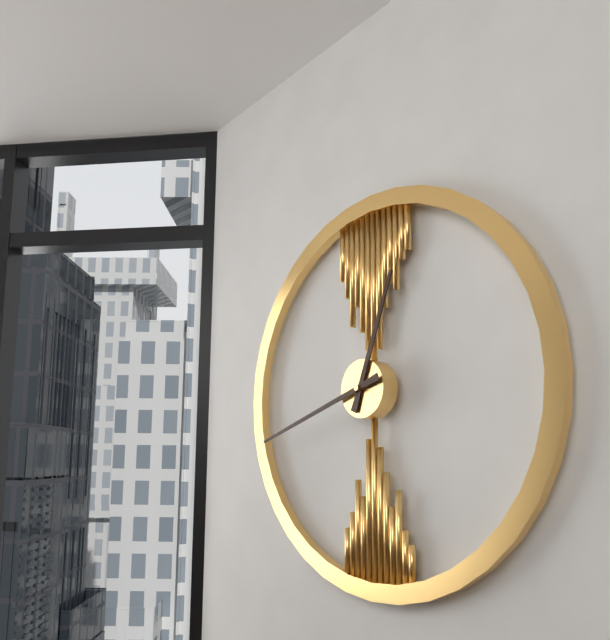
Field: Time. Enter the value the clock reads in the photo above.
12:42
